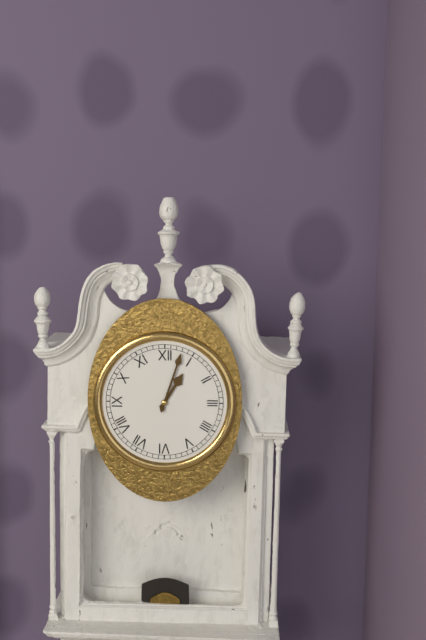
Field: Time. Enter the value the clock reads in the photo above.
1:03
